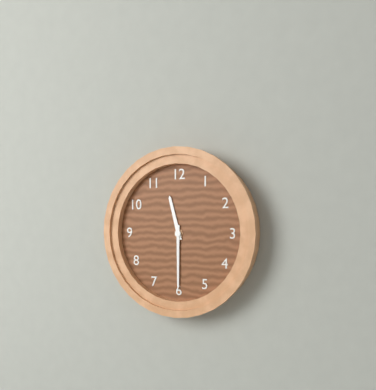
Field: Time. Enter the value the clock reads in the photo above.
11:30
